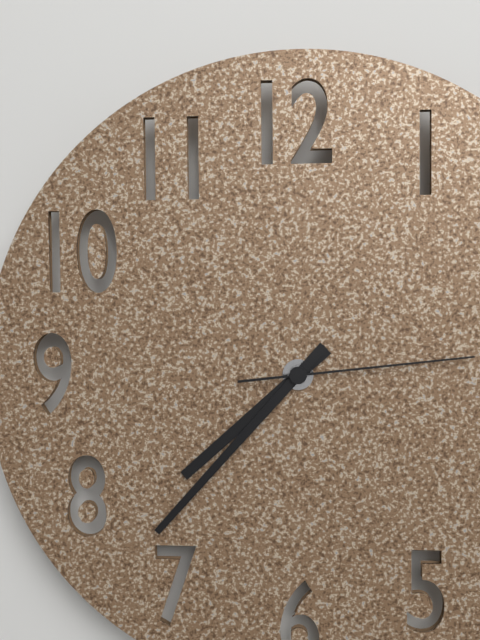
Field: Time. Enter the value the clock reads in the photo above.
7:37:14
